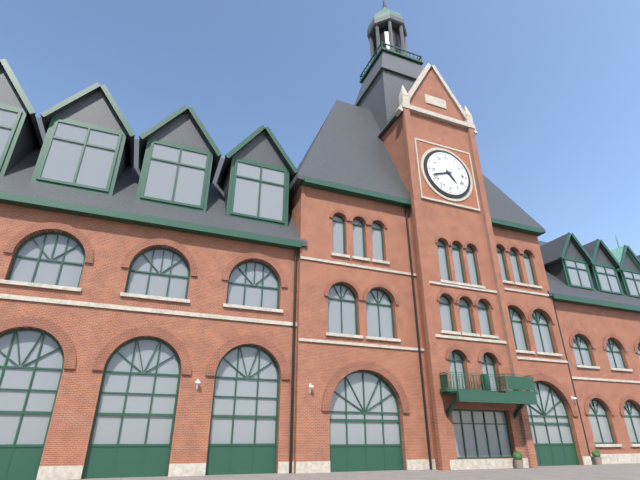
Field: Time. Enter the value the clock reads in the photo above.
4:42
